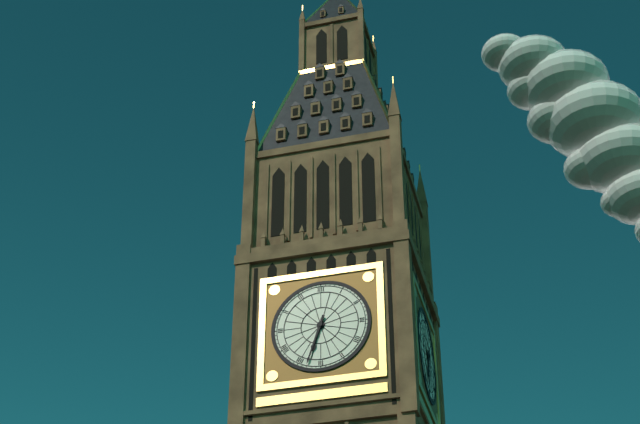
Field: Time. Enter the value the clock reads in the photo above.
6:33
